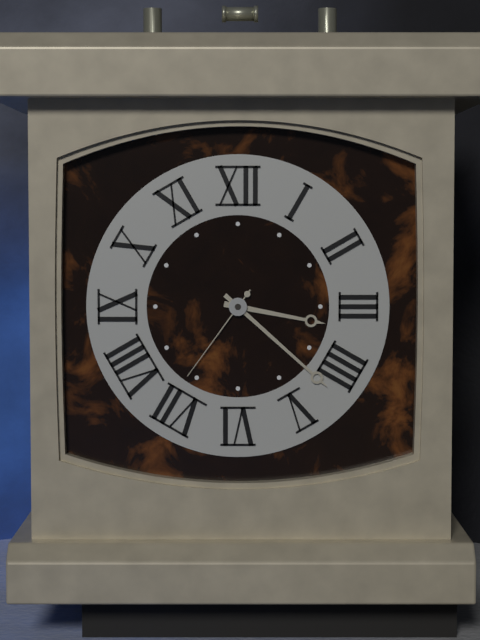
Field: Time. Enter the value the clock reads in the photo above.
3:22:36
